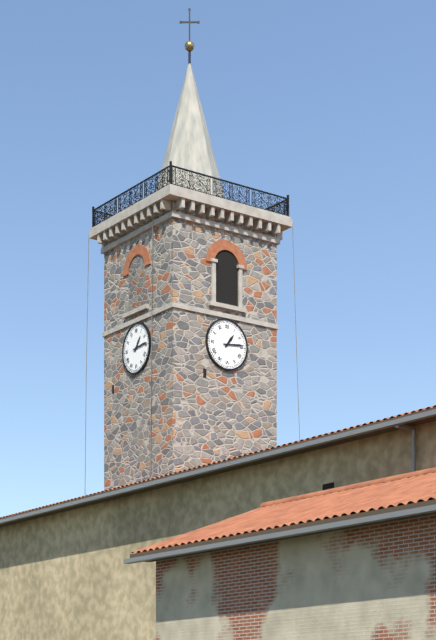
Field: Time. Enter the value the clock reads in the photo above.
1:14
